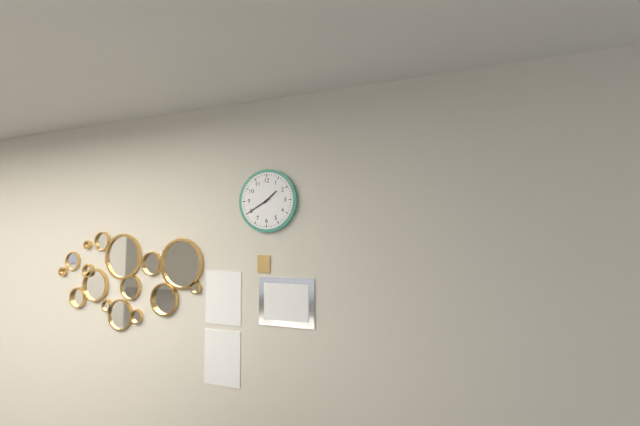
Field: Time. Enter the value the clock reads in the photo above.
1:40
